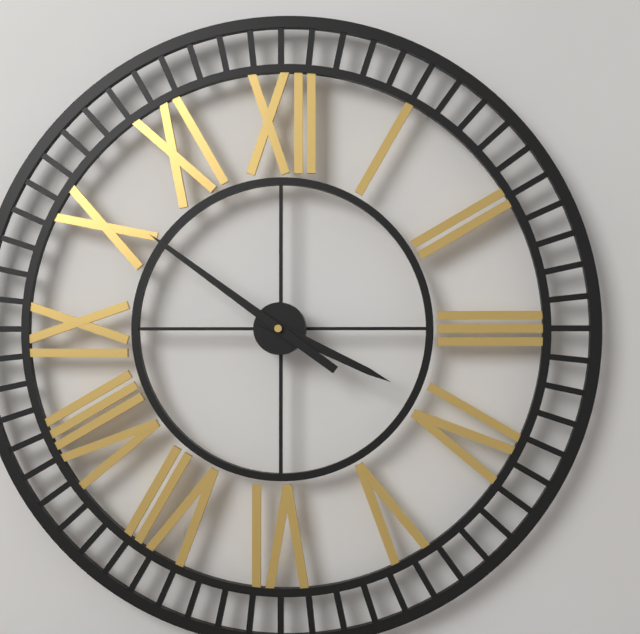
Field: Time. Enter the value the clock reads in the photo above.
3:51
